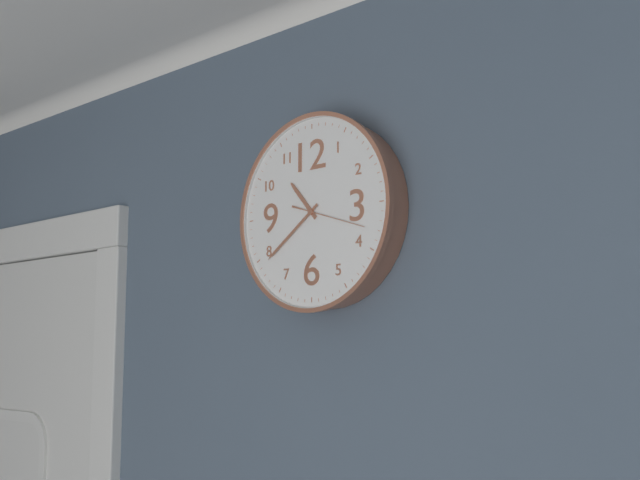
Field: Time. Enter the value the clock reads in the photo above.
10:39:18
